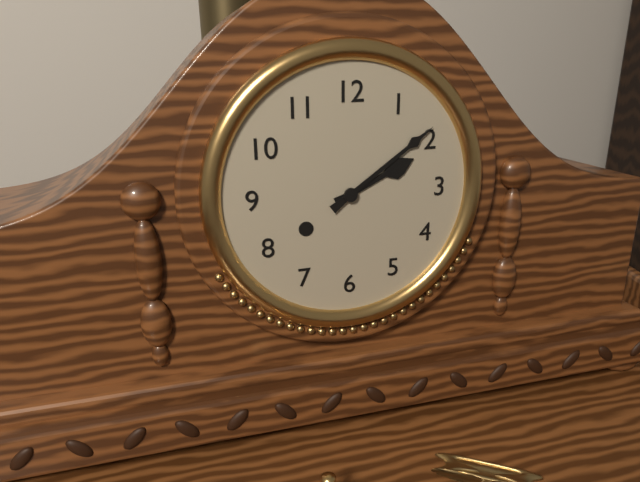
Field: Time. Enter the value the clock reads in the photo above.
2:09
